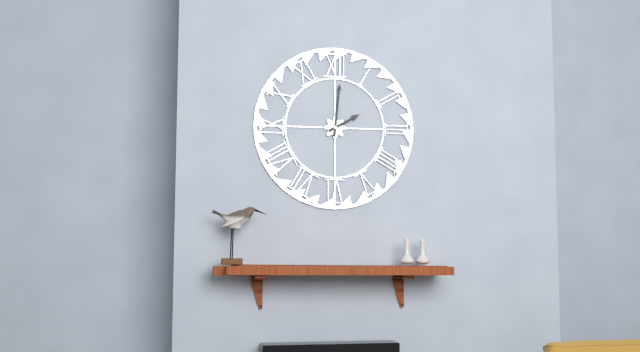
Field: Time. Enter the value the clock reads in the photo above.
2:01
